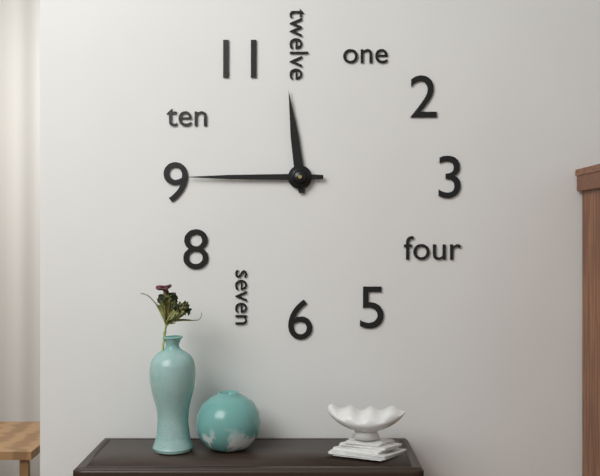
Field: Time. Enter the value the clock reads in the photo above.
11:45
